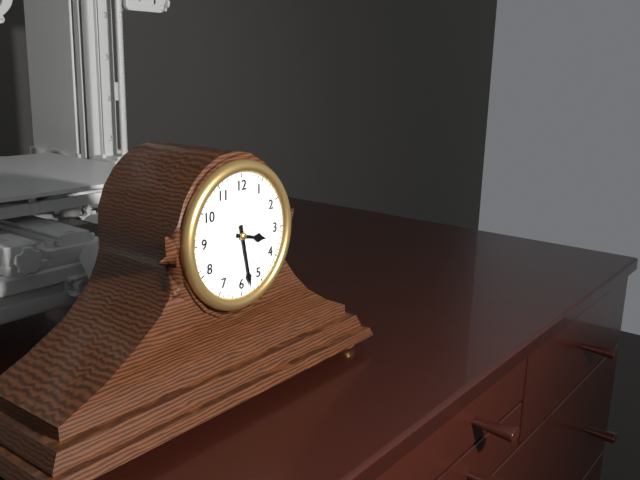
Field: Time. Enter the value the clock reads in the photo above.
3:28
